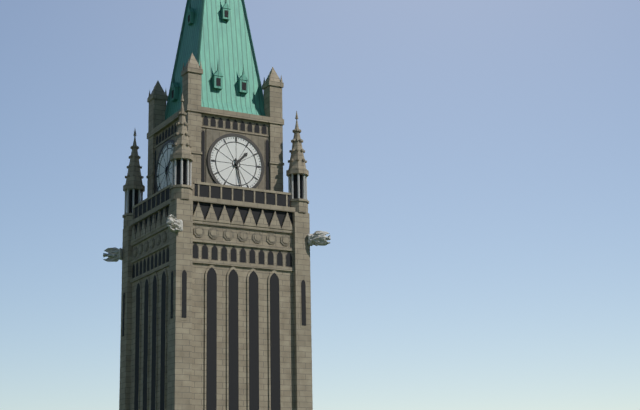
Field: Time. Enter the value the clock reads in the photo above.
1:28
